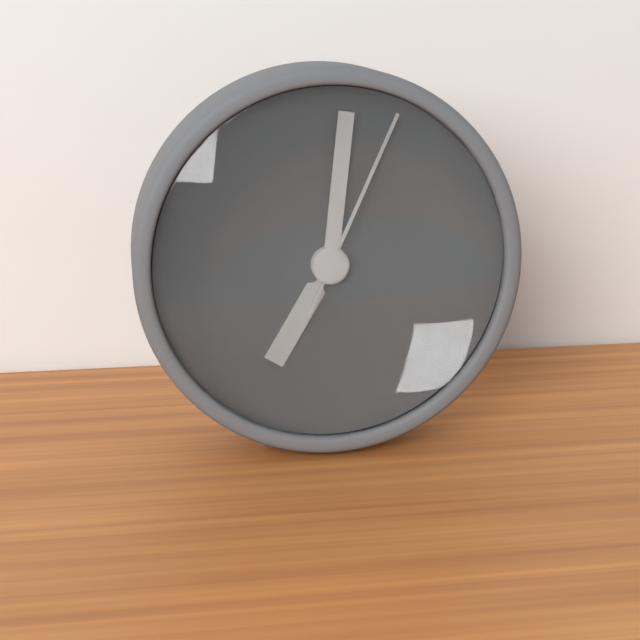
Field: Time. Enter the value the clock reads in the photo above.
7:01:04
